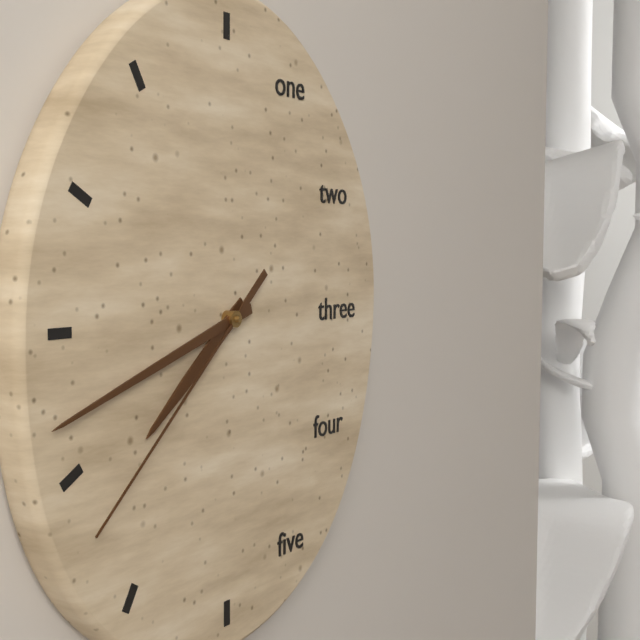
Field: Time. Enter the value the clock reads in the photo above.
7:42:38
